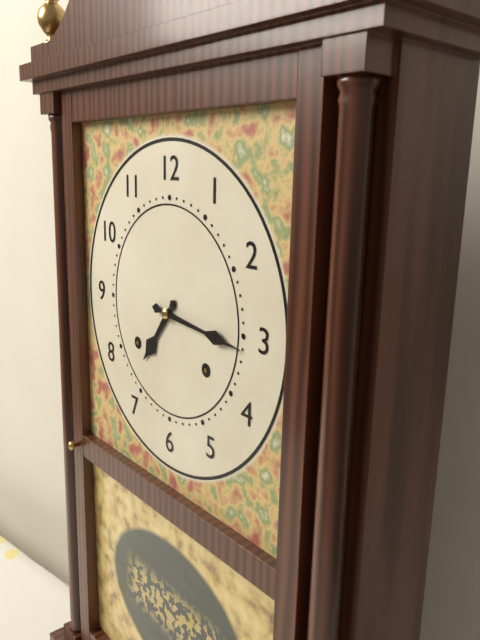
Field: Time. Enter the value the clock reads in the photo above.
7:16
